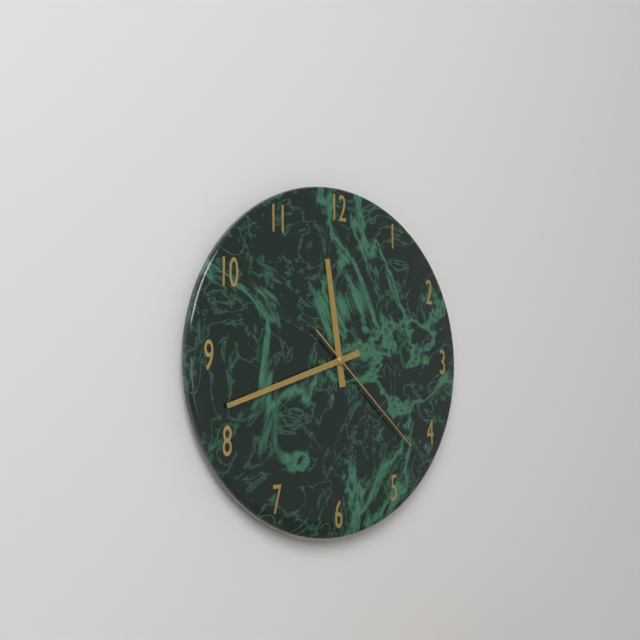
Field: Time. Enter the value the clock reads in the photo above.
11:42:22
